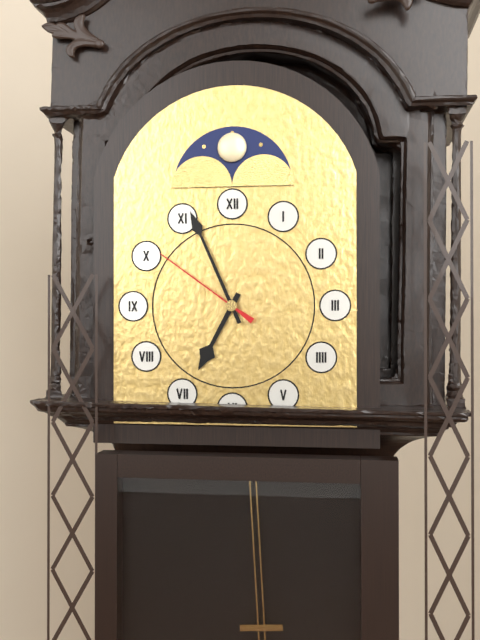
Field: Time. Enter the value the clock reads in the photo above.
6:56:51
